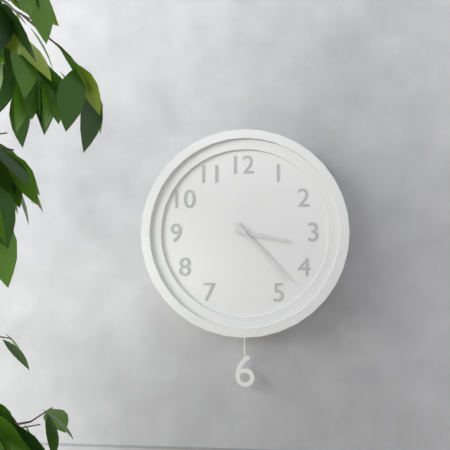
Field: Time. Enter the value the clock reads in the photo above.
3:23
